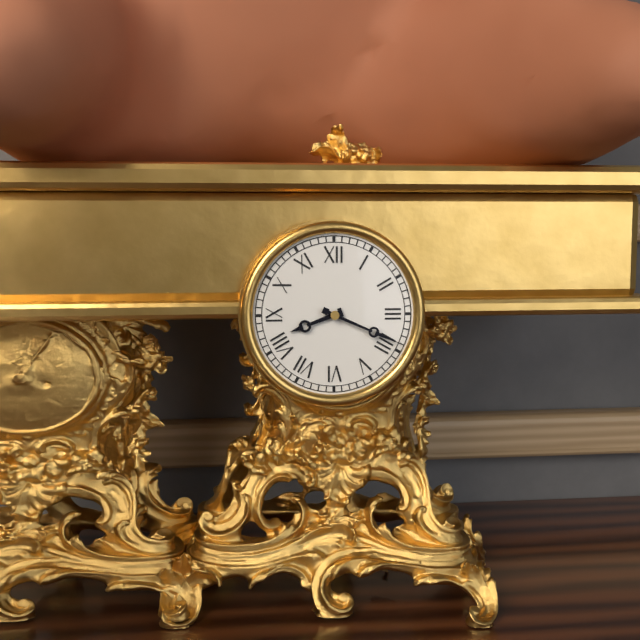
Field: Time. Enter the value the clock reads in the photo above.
8:19
